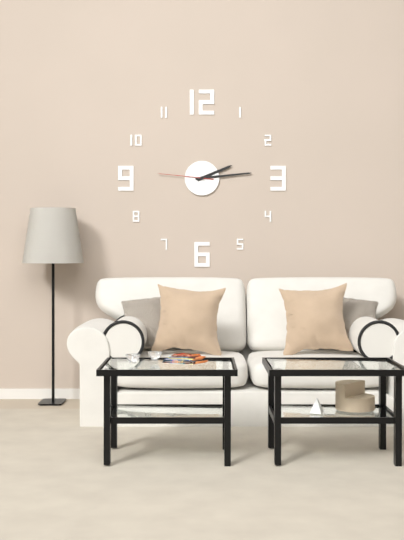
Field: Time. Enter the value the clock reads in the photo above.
2:14:46
